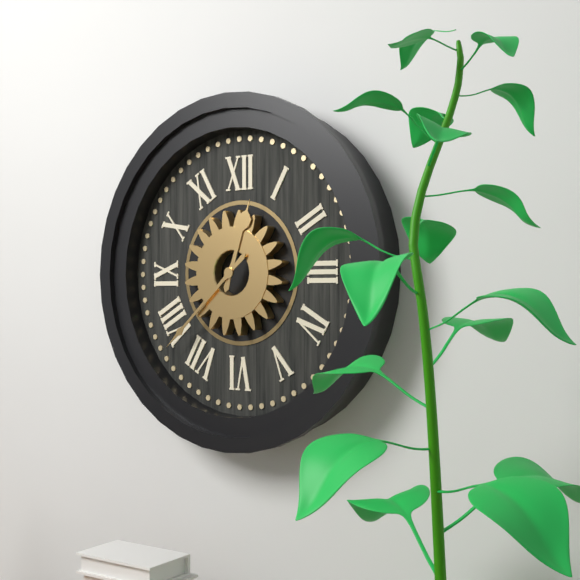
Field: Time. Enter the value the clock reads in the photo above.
12:38
